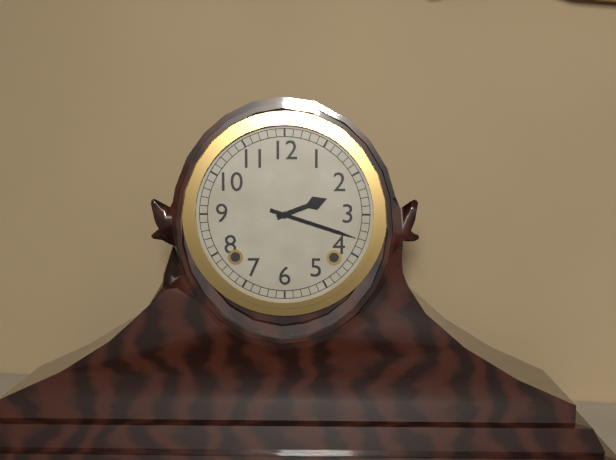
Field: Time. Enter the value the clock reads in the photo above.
2:18
